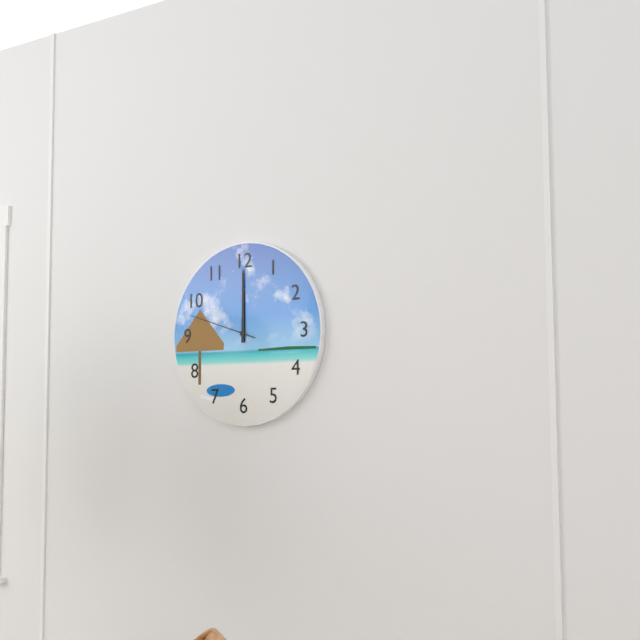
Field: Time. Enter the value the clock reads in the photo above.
12:00:48
